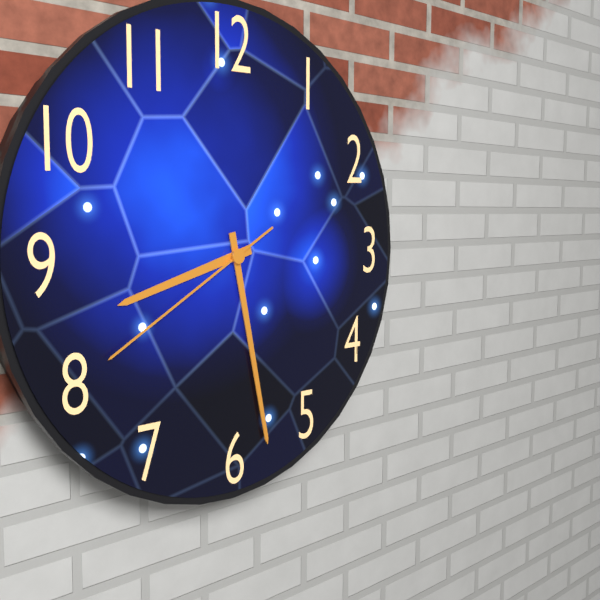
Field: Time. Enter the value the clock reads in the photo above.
8:28:40
